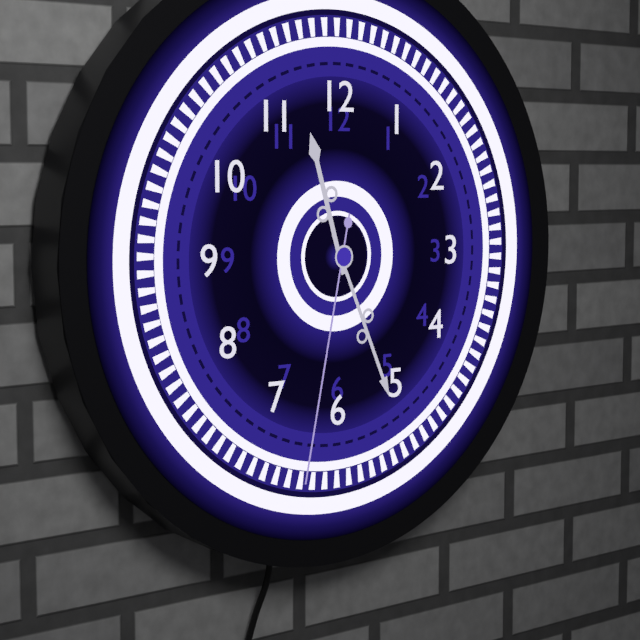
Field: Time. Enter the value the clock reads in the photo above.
11:26:32
